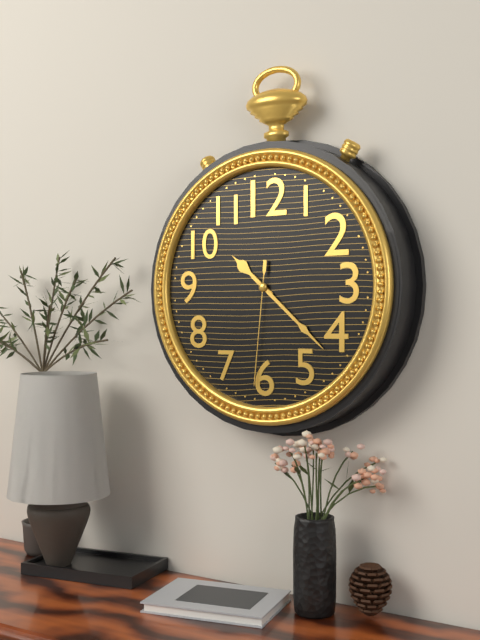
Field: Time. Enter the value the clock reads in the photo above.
10:22:31
